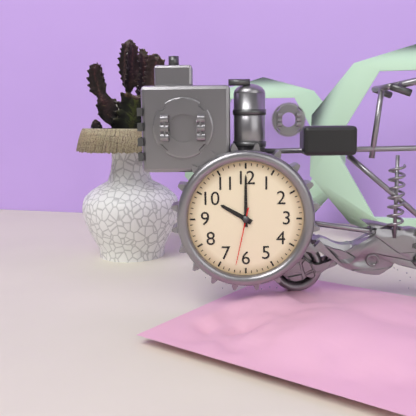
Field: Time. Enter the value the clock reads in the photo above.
10:00:32
